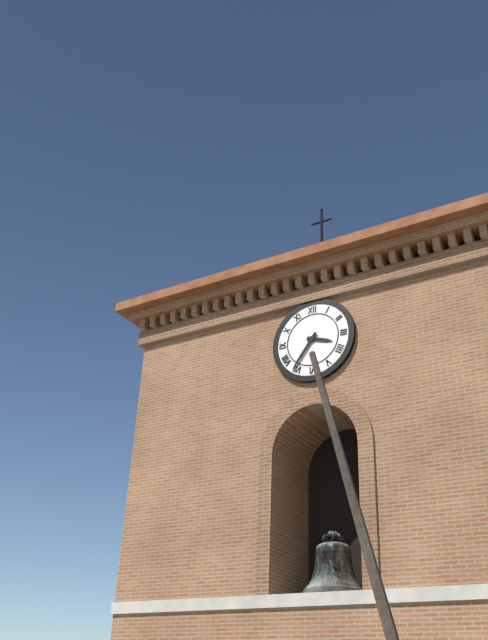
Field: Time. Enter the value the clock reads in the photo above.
3:36
